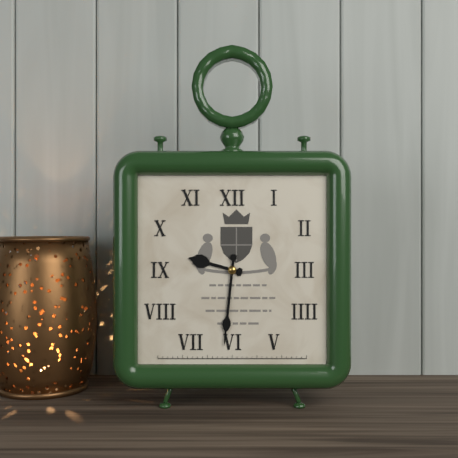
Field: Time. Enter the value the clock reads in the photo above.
9:31
